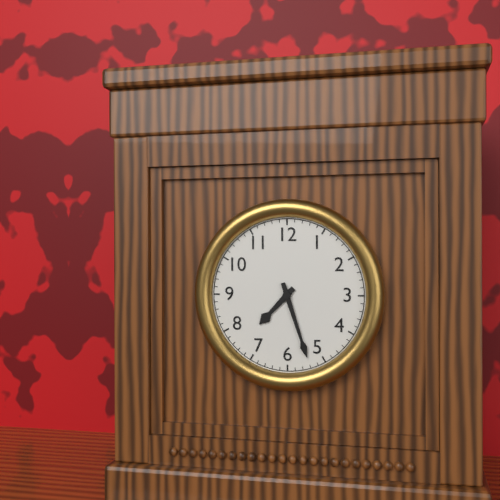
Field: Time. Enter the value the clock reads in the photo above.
7:27
